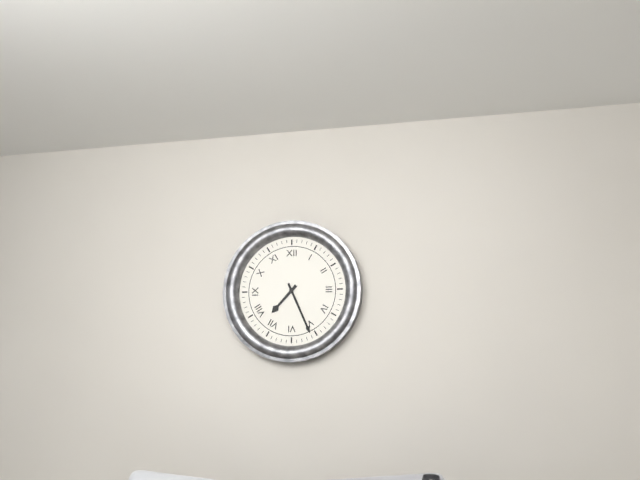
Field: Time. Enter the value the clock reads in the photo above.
7:26
